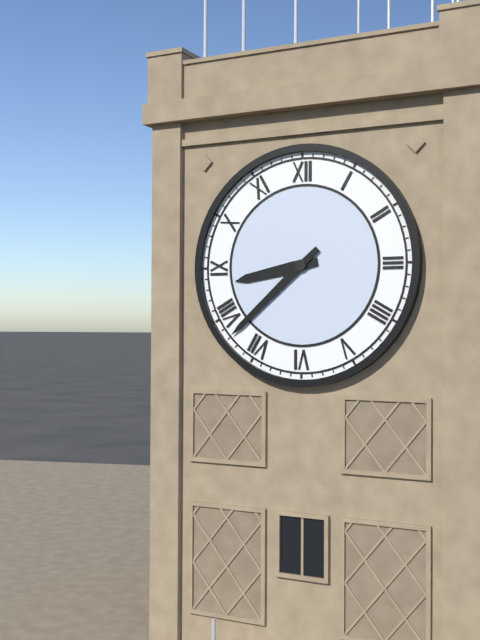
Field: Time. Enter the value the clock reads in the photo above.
8:38
